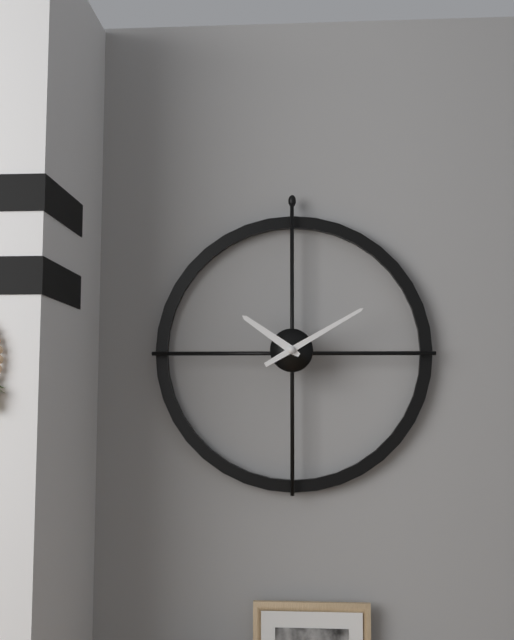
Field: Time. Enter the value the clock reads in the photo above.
10:10
